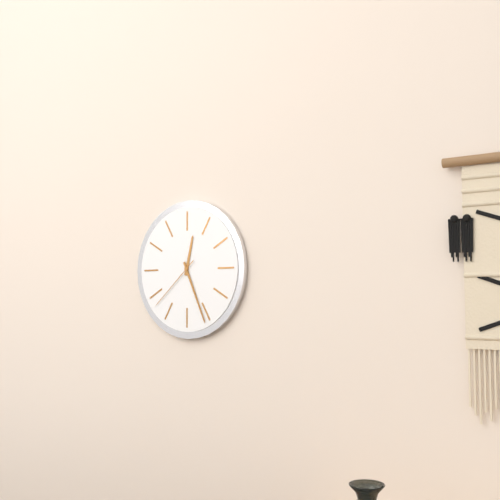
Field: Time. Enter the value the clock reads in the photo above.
12:26:38
